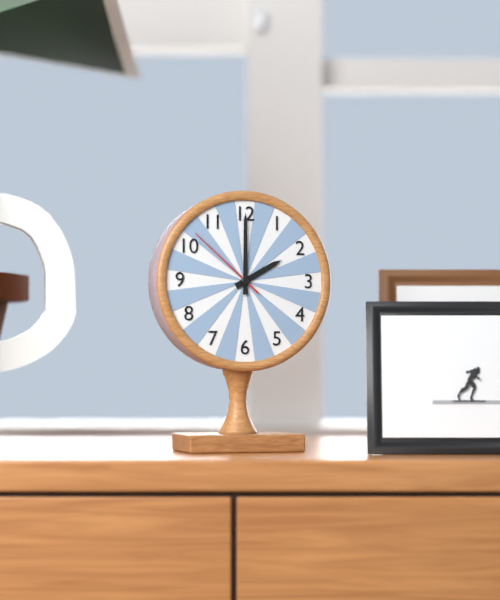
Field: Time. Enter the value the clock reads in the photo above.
2:00:52
